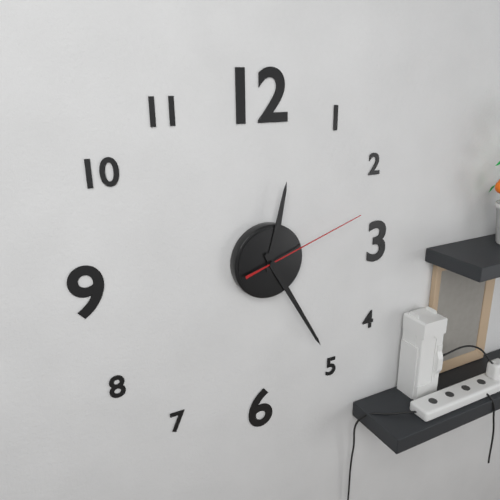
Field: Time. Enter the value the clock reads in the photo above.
12:25:12
